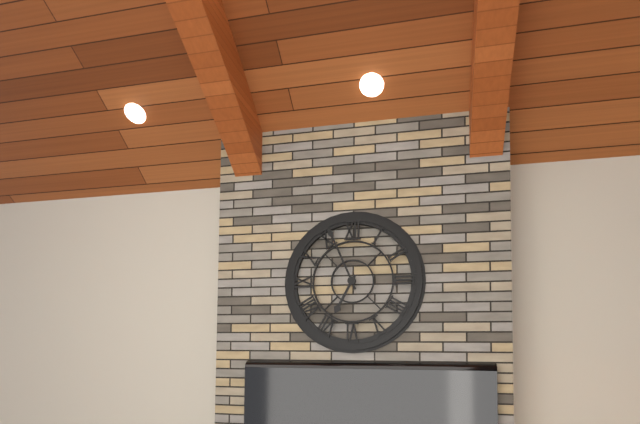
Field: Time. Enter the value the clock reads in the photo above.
6:56
